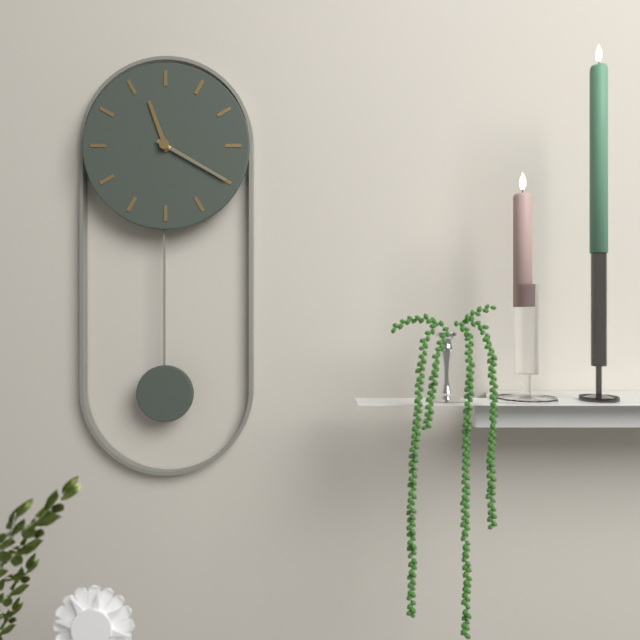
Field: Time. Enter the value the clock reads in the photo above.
11:20
